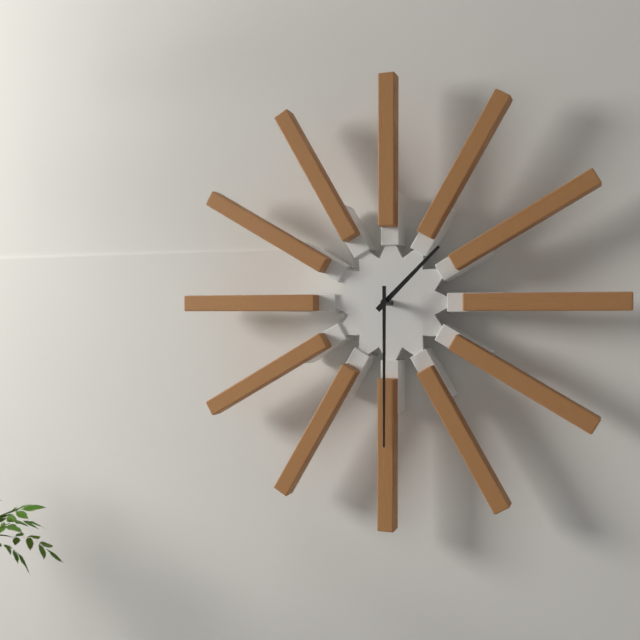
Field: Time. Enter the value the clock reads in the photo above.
1:30
